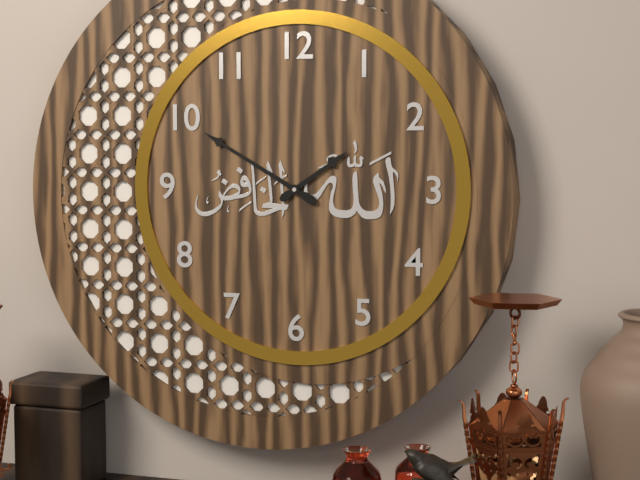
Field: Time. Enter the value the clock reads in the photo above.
1:50
